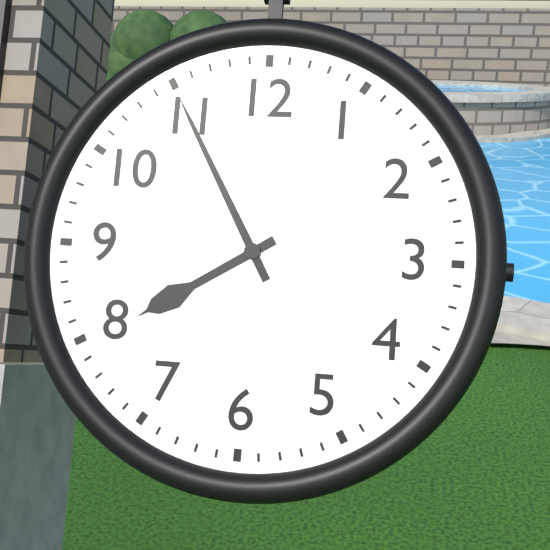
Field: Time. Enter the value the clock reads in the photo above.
7:55
